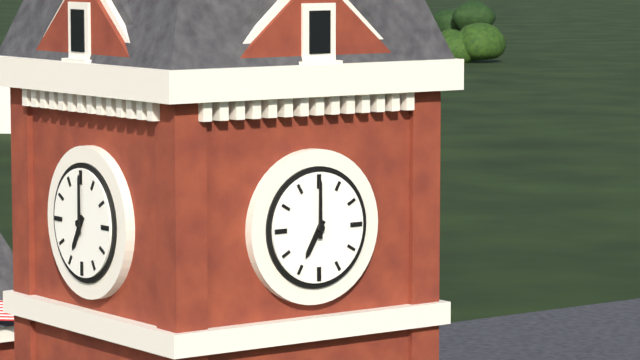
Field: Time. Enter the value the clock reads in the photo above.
7:00
